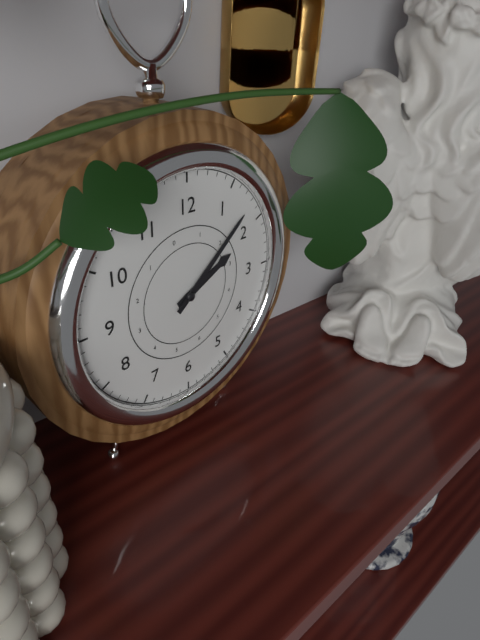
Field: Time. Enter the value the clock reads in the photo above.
2:08
